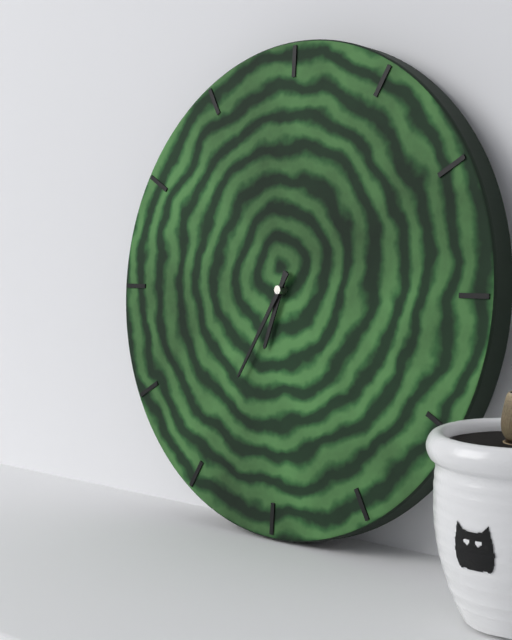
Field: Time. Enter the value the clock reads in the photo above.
6:35
